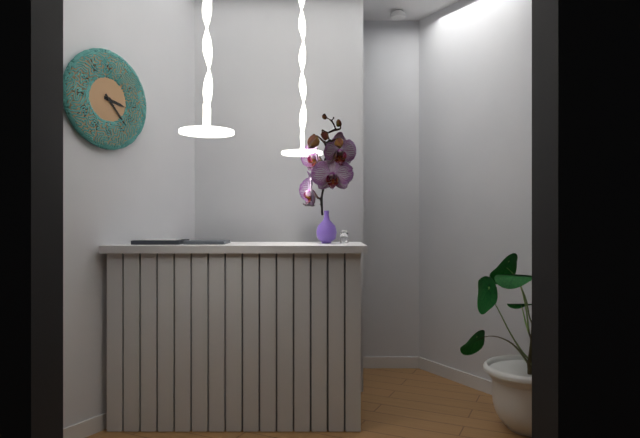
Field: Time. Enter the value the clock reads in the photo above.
3:23
